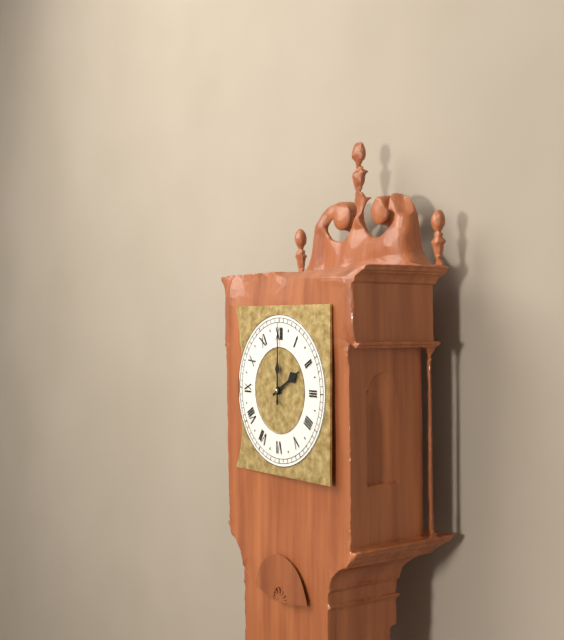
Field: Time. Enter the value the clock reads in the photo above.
2:00
